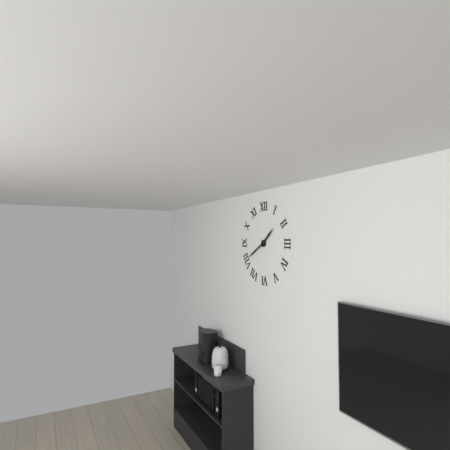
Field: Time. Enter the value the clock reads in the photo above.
1:40
